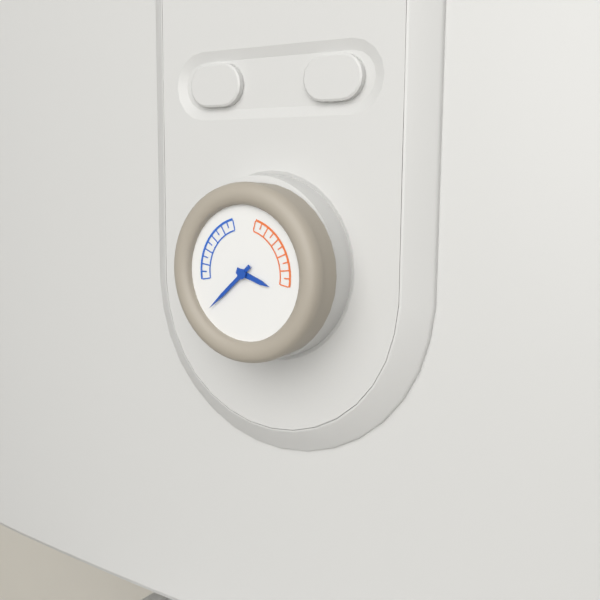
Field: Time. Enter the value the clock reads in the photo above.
3:38
